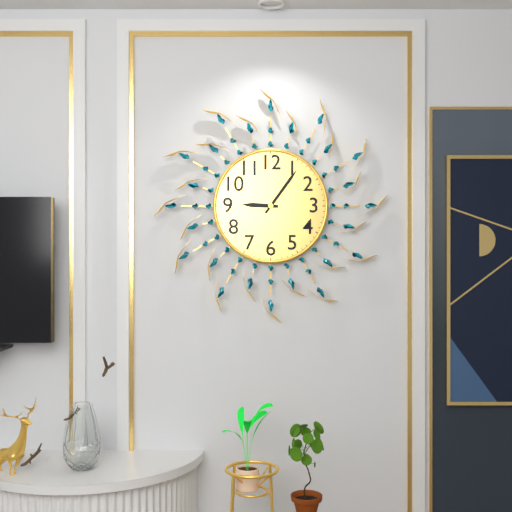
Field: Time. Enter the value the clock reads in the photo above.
9:06
